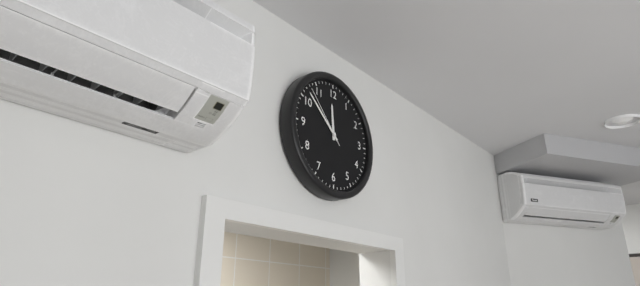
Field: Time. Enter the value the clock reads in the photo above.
11:52:53
